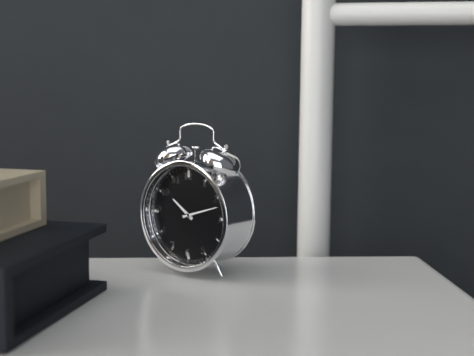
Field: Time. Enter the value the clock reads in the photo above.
10:12
